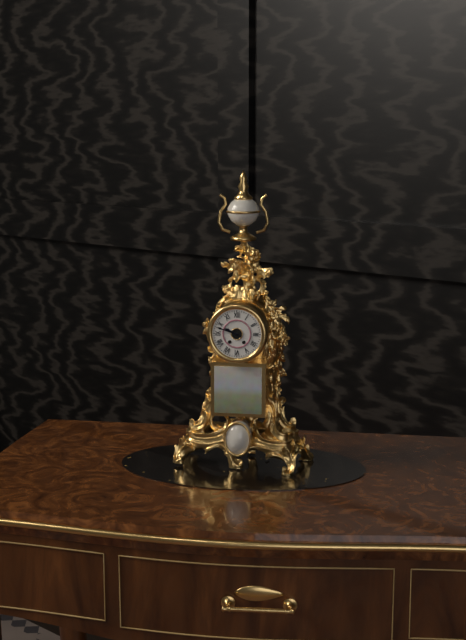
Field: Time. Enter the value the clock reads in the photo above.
9:48
